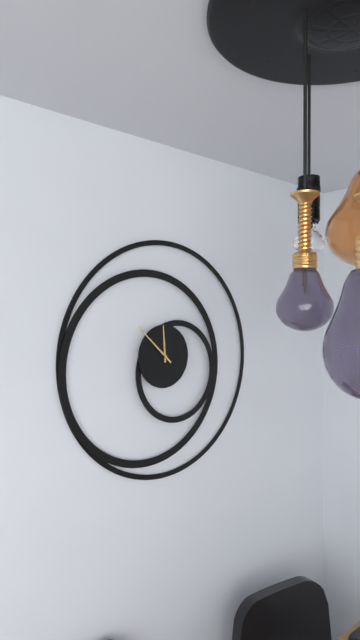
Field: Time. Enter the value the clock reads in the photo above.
11:52
